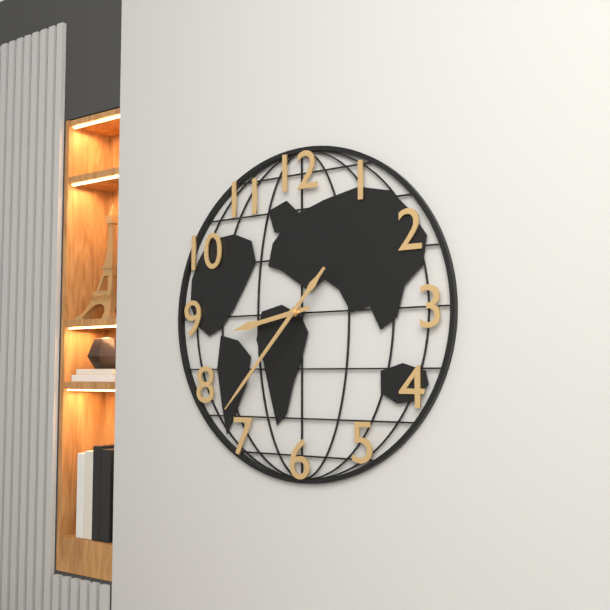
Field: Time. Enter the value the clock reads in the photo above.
8:37
